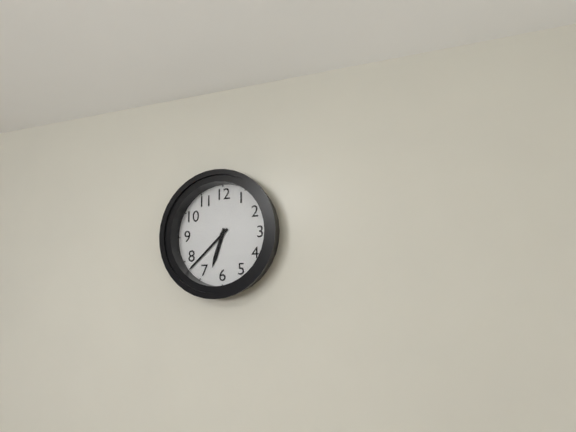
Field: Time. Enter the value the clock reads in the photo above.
6:38
